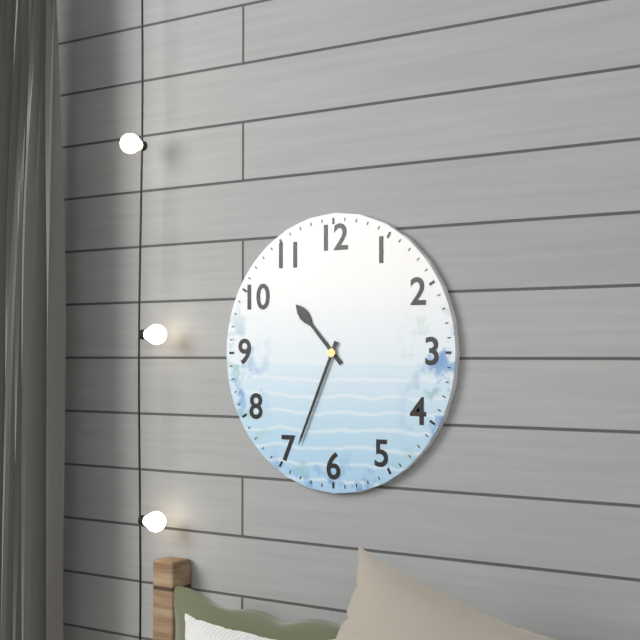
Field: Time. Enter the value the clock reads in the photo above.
10:34
